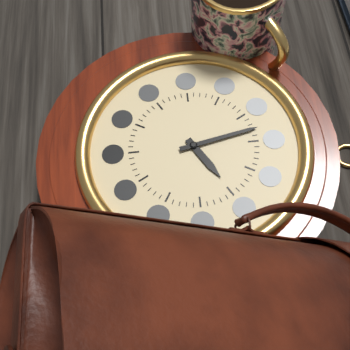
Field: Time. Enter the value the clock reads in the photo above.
1:58
